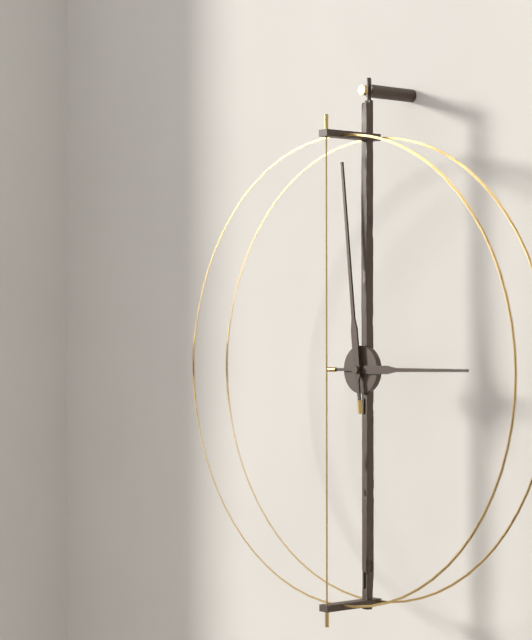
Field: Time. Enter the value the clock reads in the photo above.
2:59
